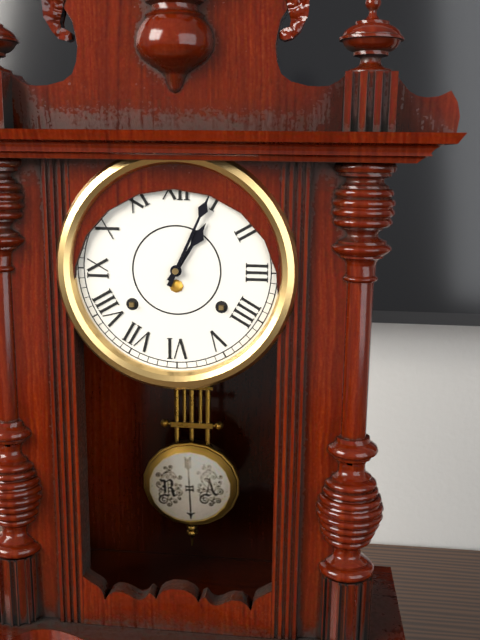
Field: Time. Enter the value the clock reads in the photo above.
1:04
